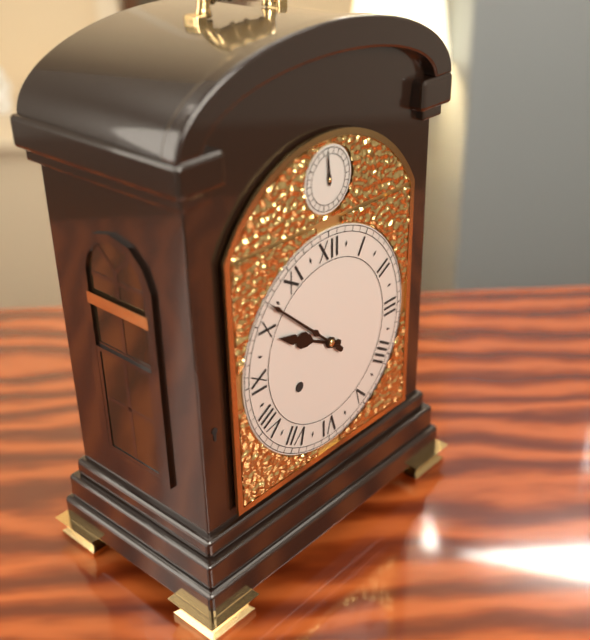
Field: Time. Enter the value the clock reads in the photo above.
9:52
